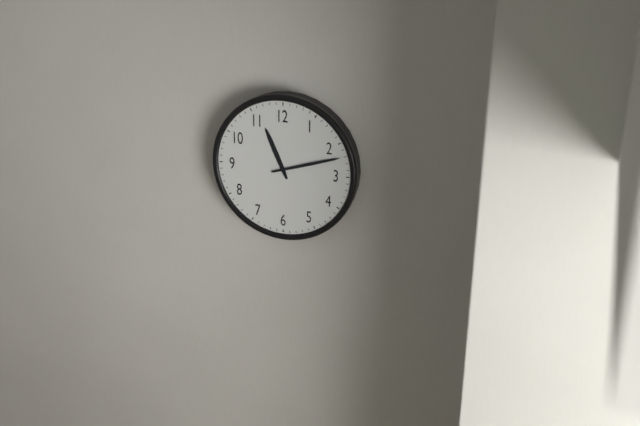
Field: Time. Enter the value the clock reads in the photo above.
11:12
